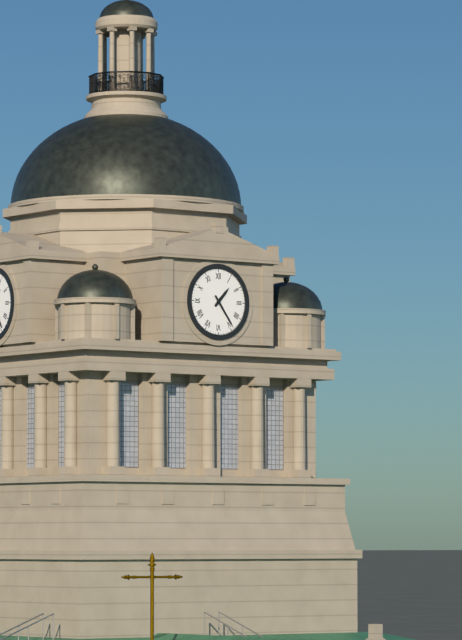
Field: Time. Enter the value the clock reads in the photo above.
1:24
